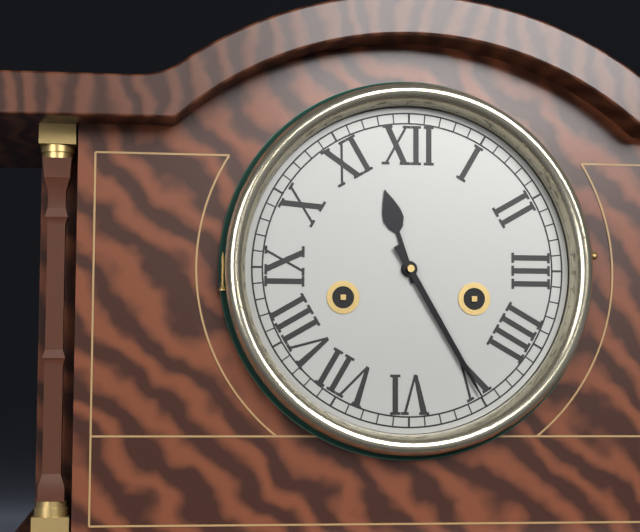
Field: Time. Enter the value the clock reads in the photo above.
11:25
